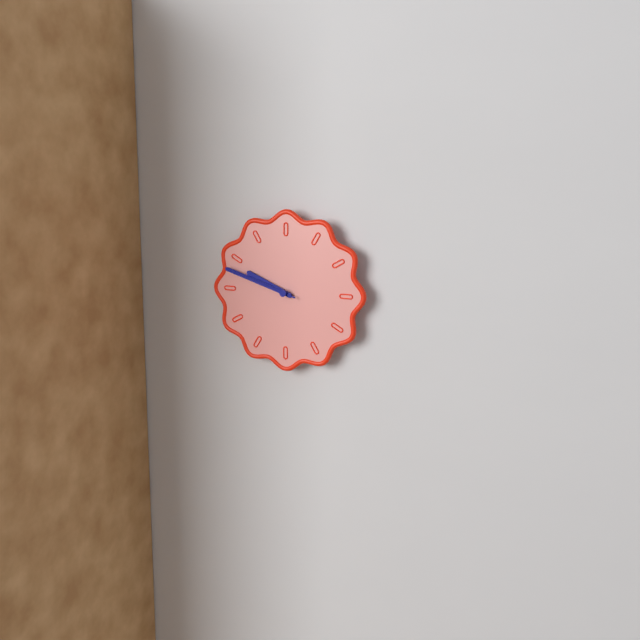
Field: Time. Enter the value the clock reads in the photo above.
9:48:48
